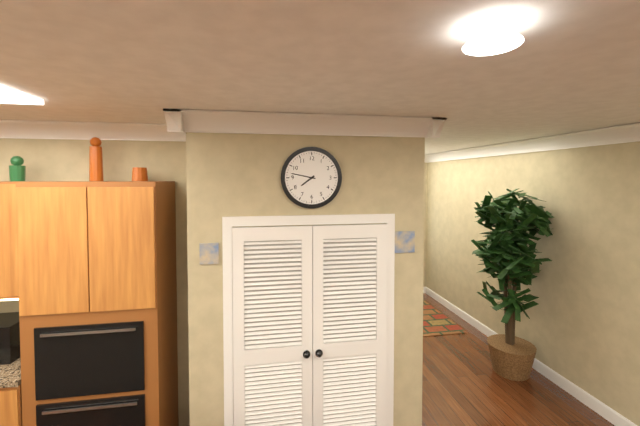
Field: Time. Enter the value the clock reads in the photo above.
7:47
